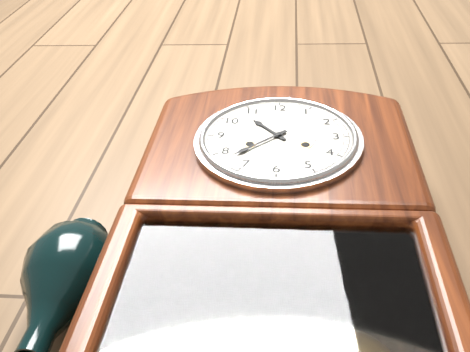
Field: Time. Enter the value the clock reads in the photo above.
10:38
